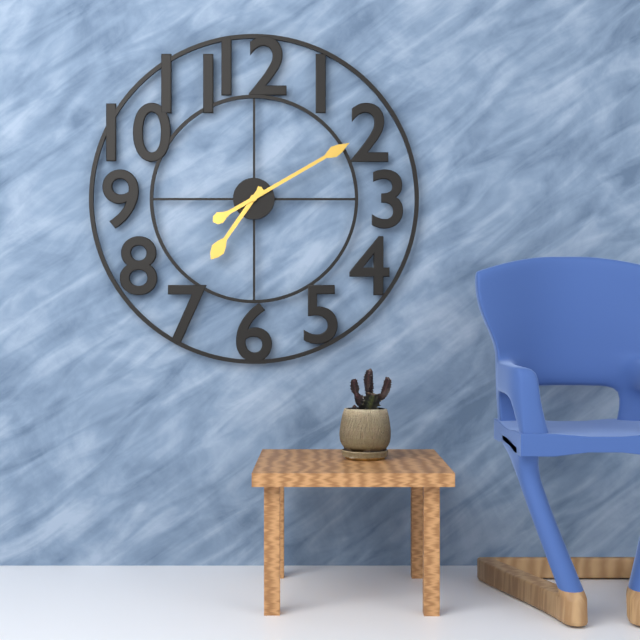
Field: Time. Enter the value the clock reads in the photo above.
7:10
